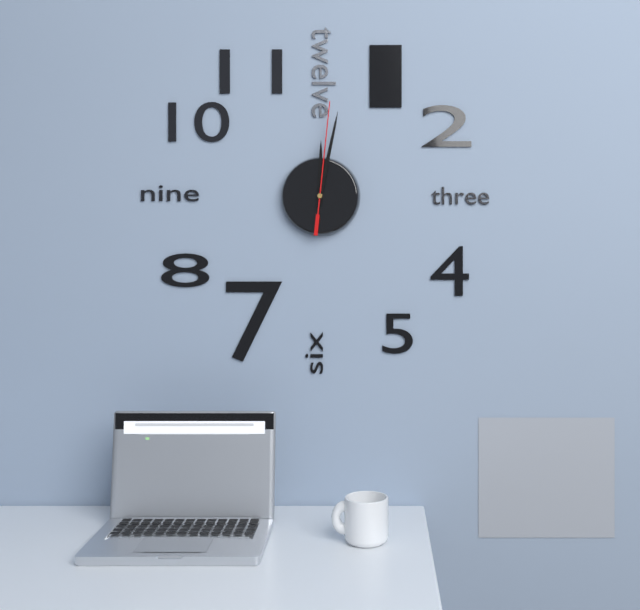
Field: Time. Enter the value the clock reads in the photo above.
12:02:01
